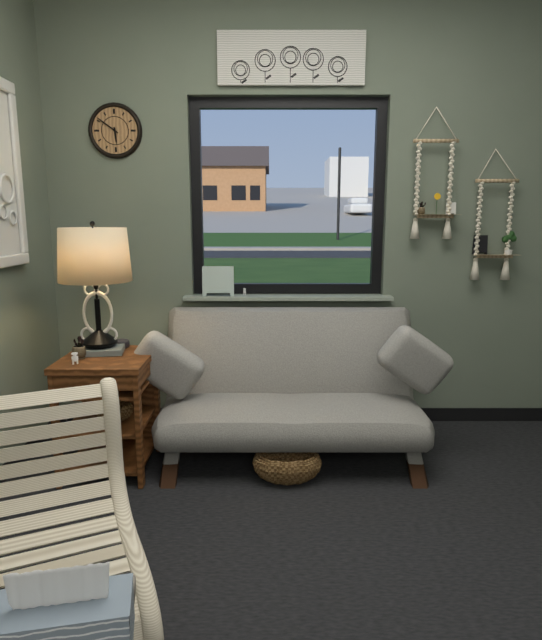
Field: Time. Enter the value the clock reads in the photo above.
5:51
